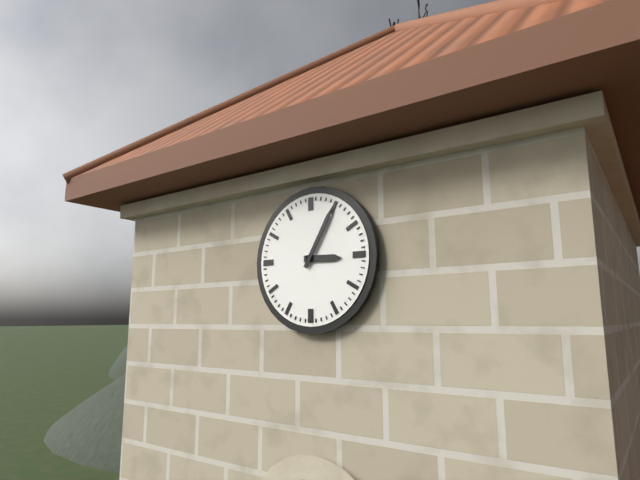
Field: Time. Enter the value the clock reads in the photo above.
3:05
